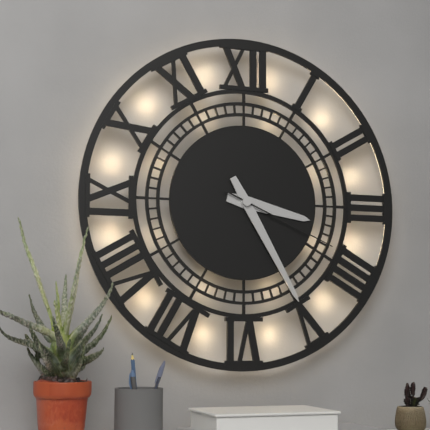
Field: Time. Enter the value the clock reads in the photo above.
3:25:19
